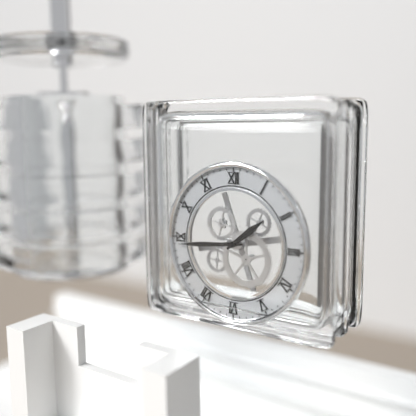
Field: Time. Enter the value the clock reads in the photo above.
1:44
